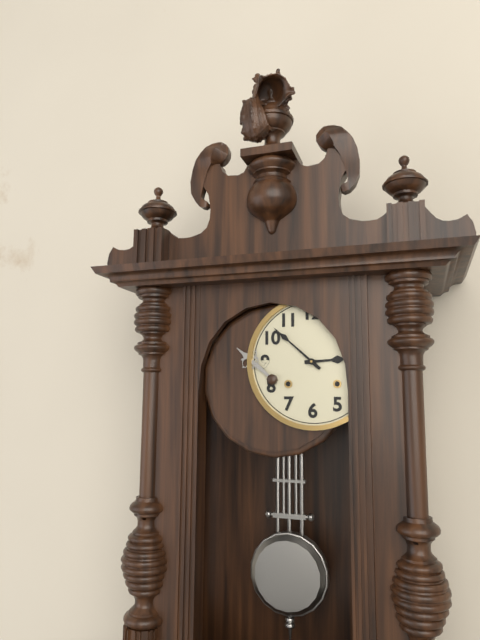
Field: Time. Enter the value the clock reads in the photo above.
2:52
